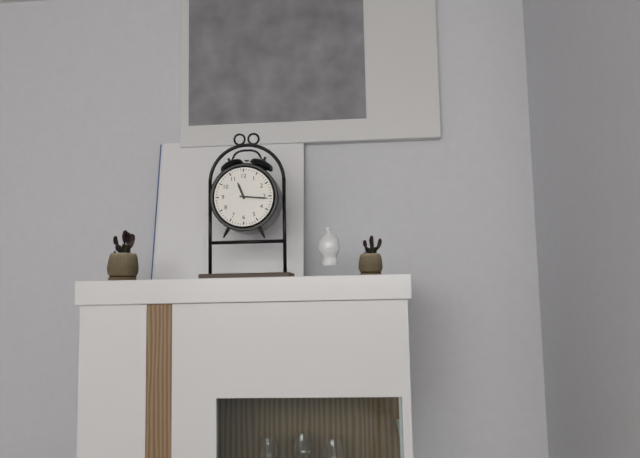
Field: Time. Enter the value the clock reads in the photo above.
11:16
